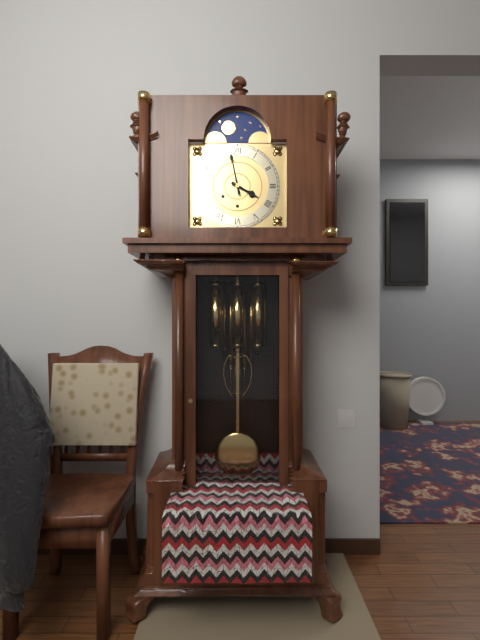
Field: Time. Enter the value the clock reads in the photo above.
3:58
